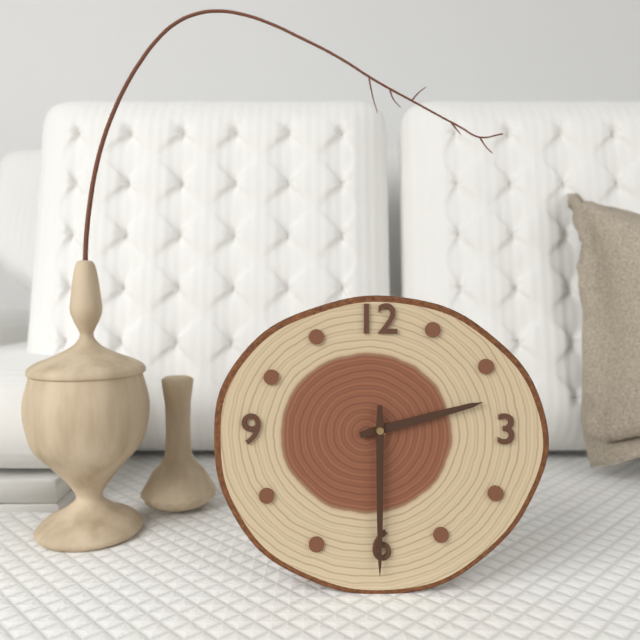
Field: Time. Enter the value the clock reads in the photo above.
2:30
